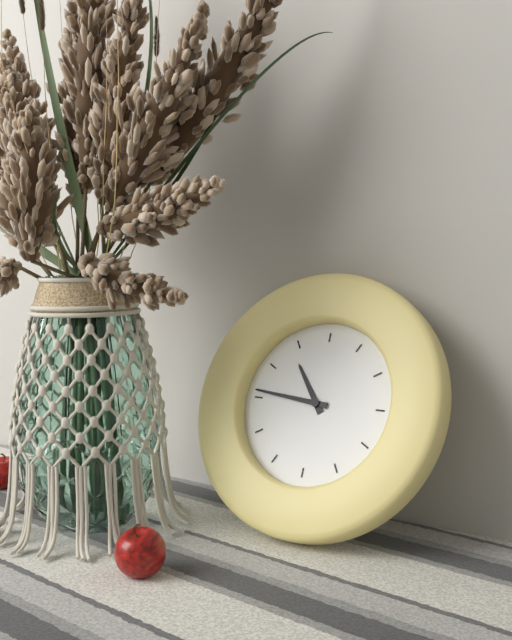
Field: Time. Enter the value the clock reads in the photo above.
10:46
